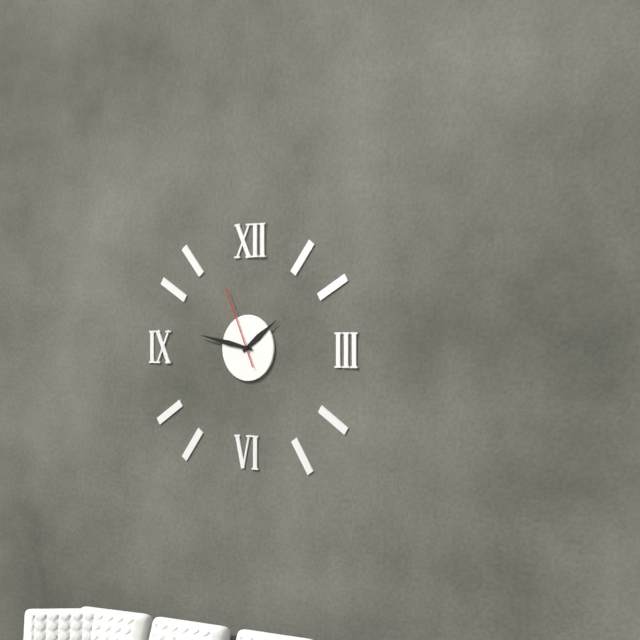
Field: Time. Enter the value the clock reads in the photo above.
1:47:56
